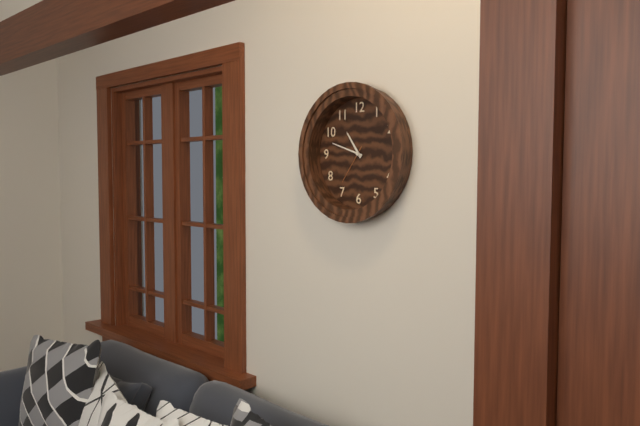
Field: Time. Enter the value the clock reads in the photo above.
10:48
